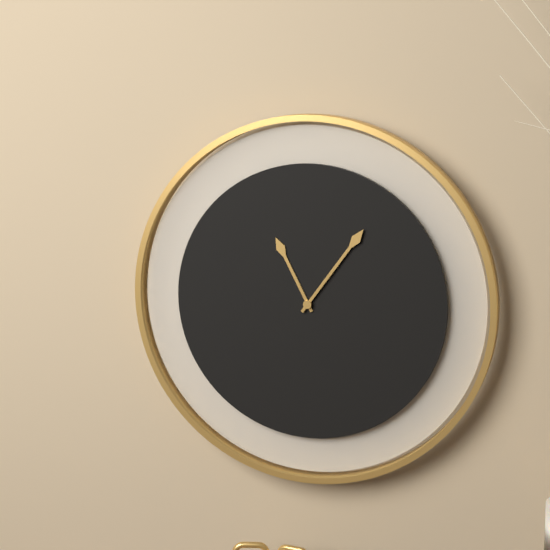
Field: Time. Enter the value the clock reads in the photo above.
11:06
